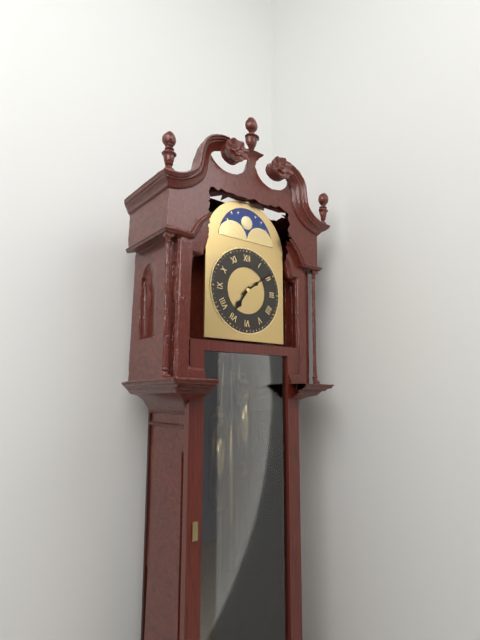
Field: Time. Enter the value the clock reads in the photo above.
7:09
